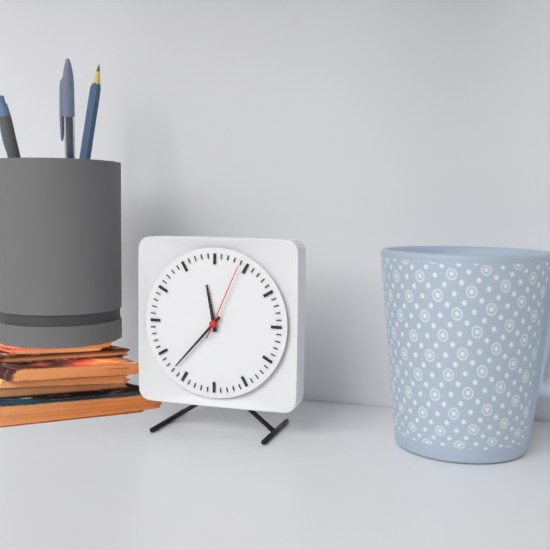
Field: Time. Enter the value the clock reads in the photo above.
11:37:04
